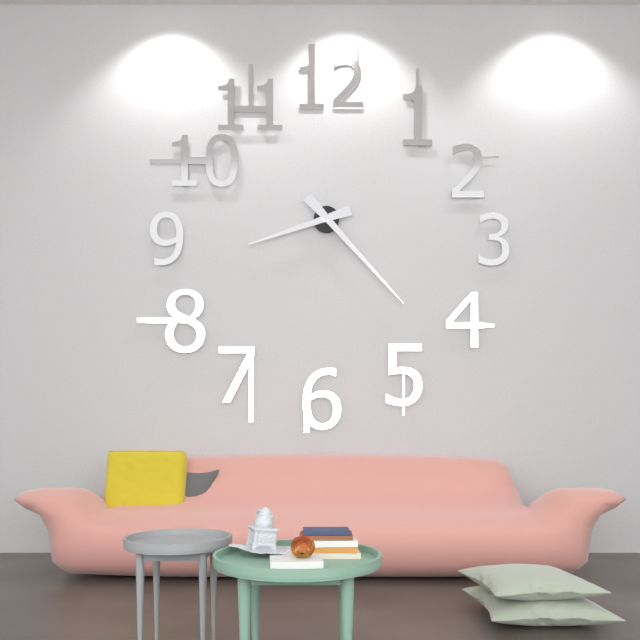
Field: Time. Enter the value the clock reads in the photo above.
8:23
